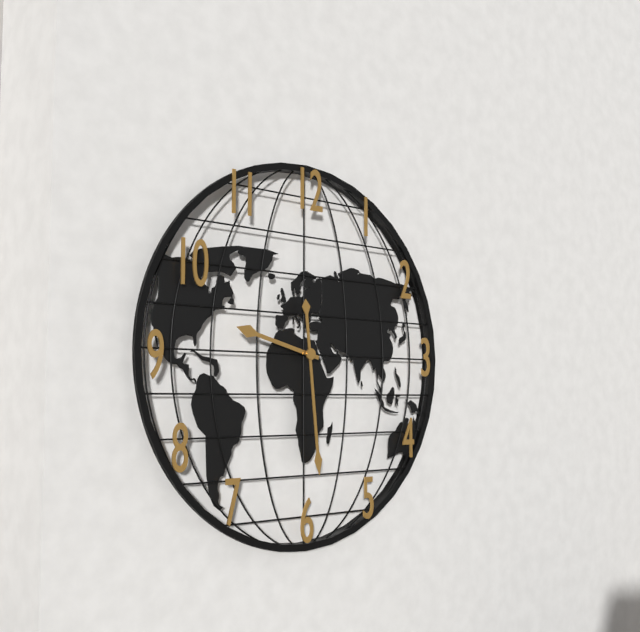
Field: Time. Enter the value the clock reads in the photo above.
9:29
